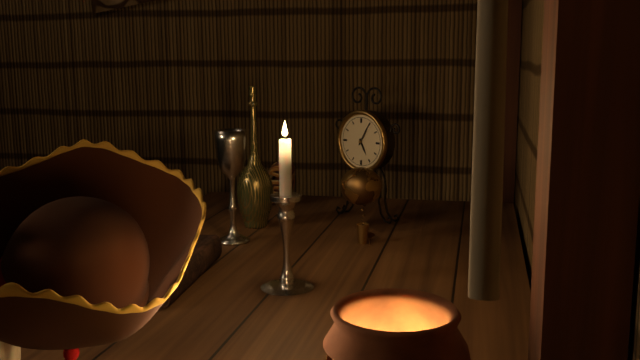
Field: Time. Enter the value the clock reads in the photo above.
5:05
